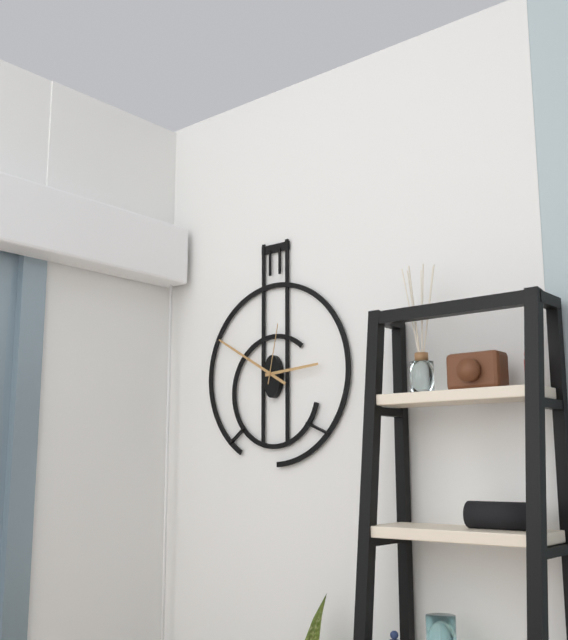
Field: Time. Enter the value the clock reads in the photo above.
2:50:02
